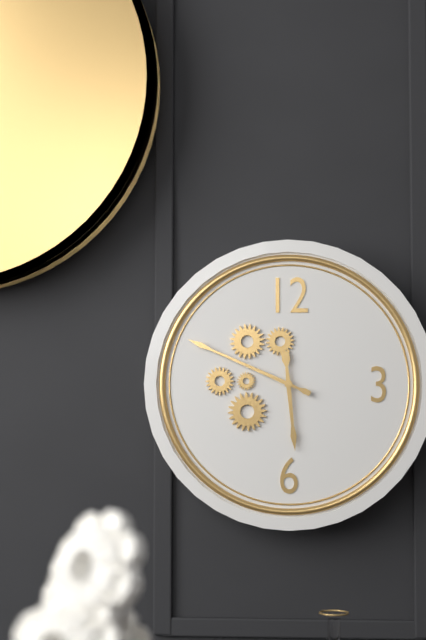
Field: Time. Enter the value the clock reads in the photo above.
5:49
